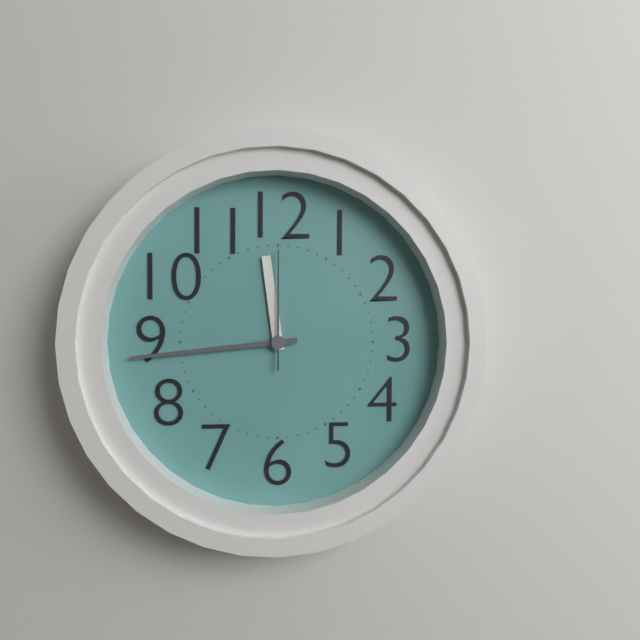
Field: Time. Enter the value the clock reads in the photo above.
11:44:00
